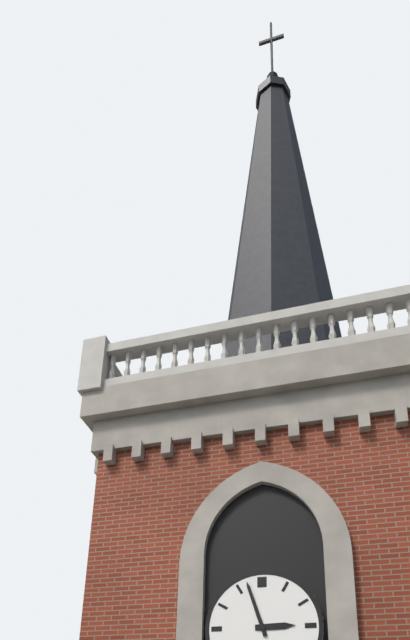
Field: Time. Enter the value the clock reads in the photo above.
2:57
